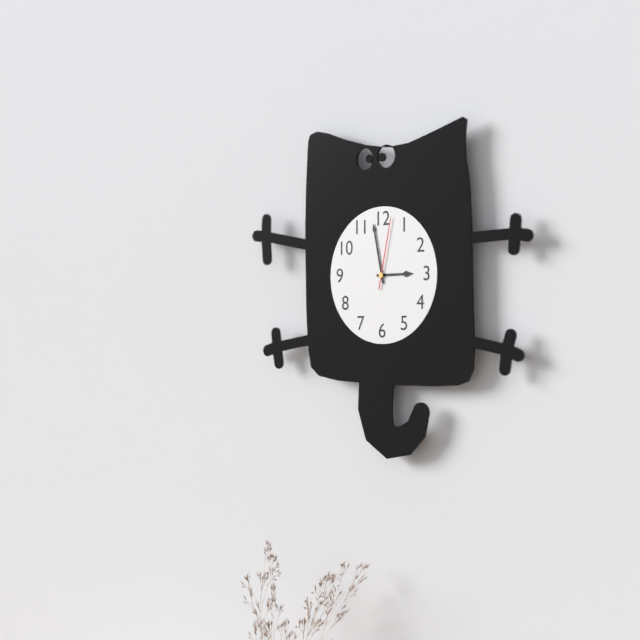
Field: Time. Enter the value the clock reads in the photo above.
2:58:02
